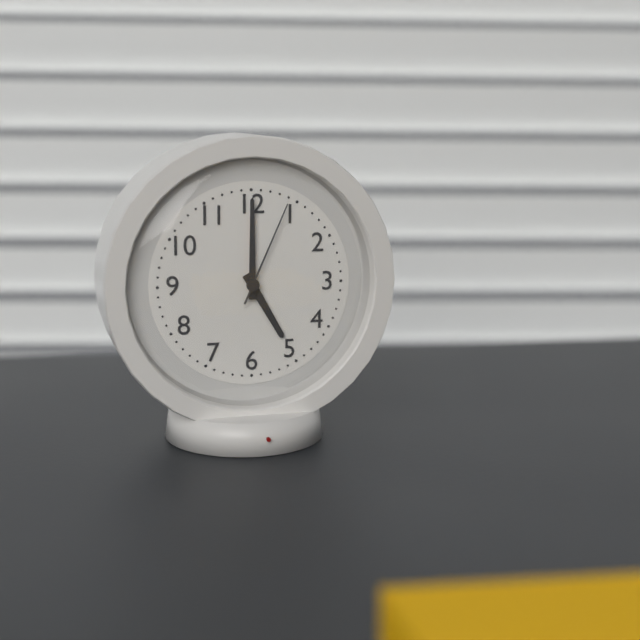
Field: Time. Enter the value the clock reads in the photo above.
5:00:04
